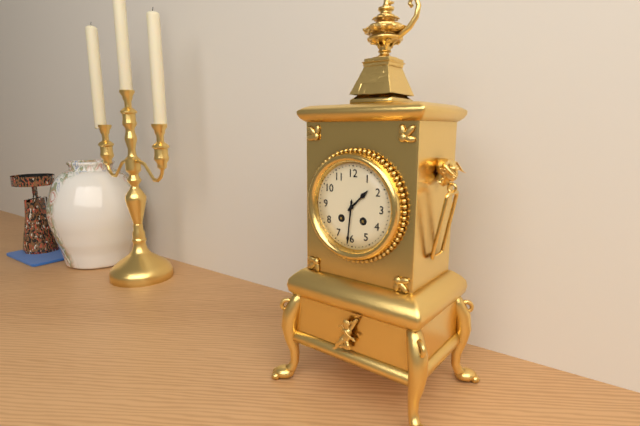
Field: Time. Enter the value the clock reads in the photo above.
1:31
